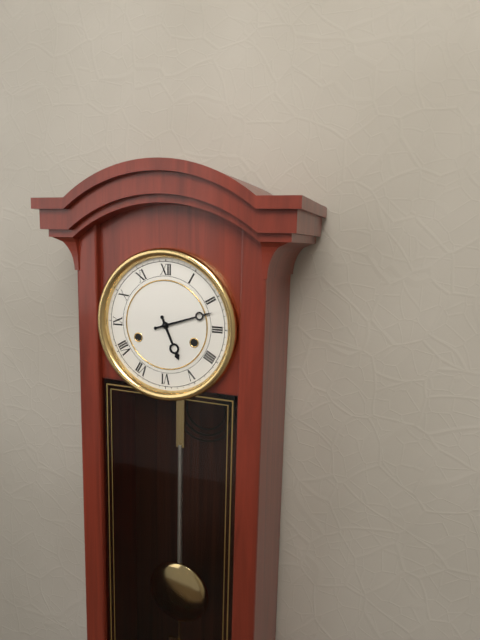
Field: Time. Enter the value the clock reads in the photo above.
5:12
